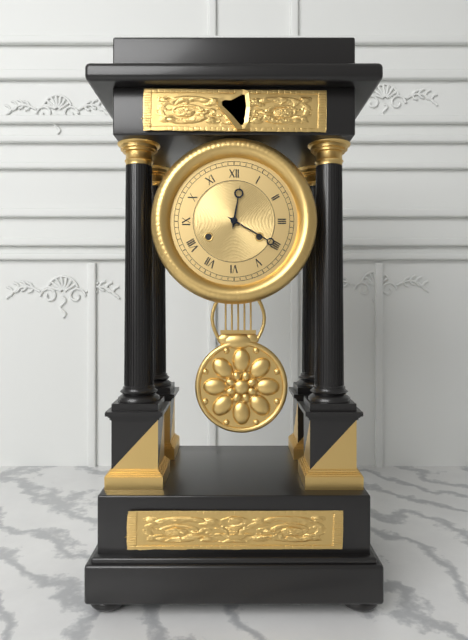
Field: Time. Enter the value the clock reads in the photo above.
12:20
